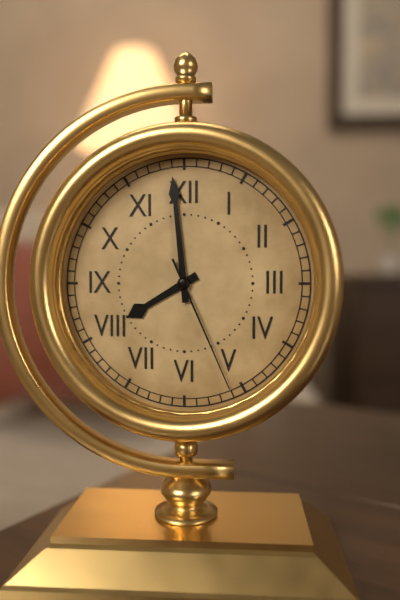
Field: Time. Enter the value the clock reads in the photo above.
7:59:26
